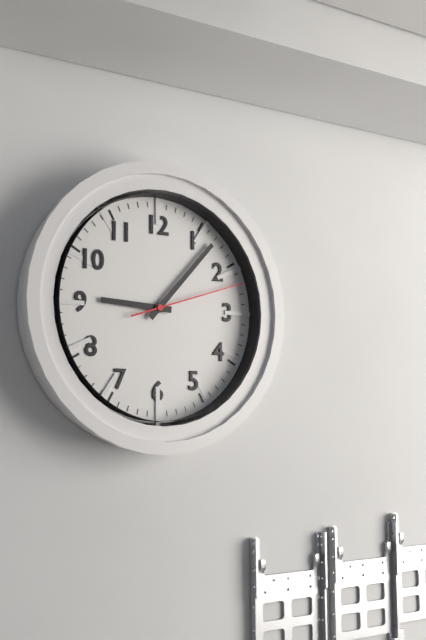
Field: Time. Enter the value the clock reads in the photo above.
9:07:12
